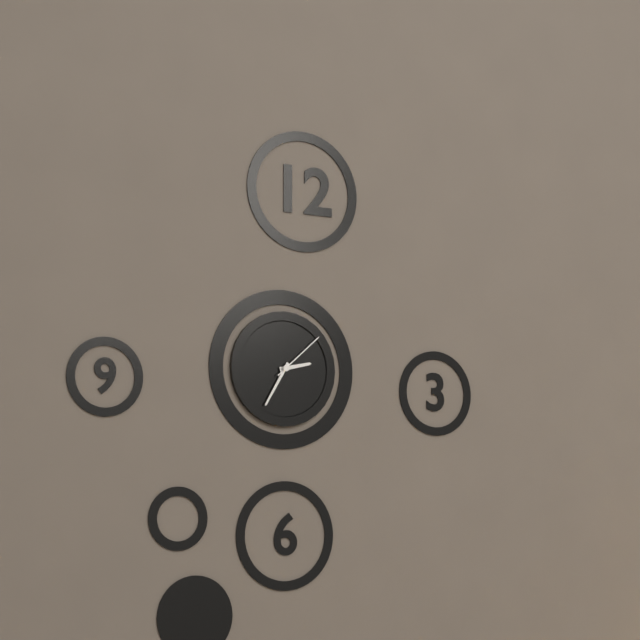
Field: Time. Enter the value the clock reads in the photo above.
2:35:08
